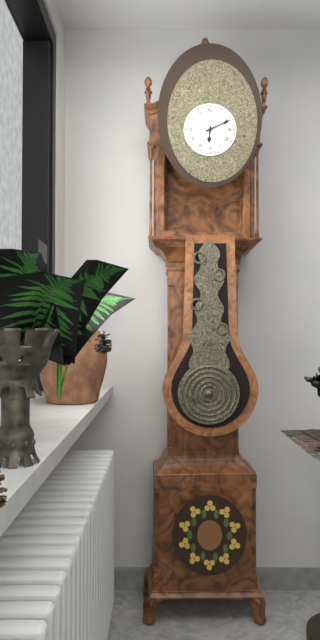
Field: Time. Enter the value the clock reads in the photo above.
6:11
